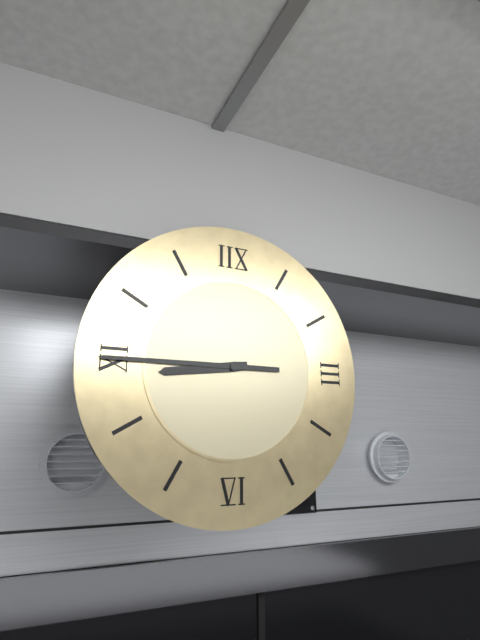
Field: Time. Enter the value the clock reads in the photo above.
8:45
